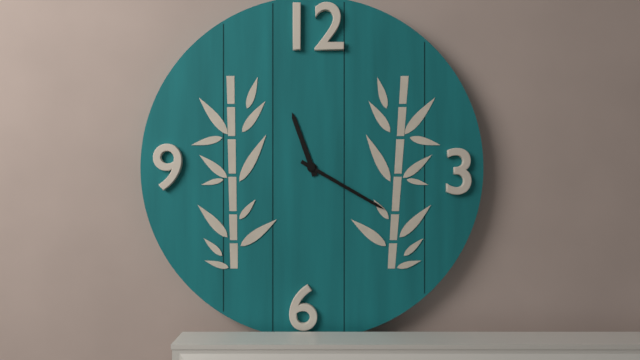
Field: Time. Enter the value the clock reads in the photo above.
11:20
